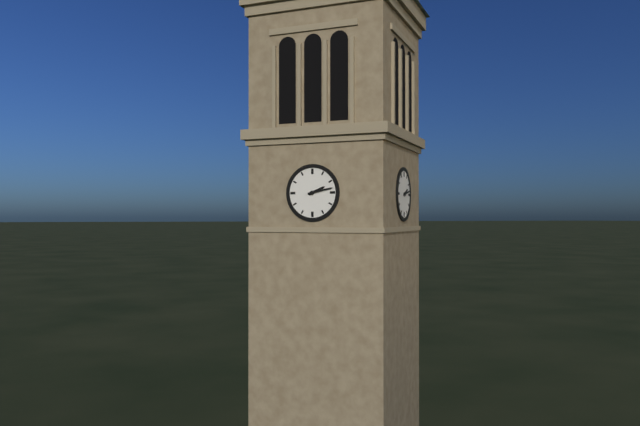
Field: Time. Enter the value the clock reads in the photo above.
2:13
